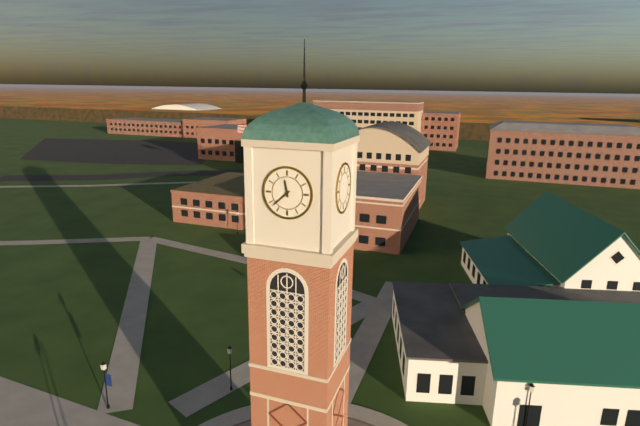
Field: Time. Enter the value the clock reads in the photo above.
11:38
